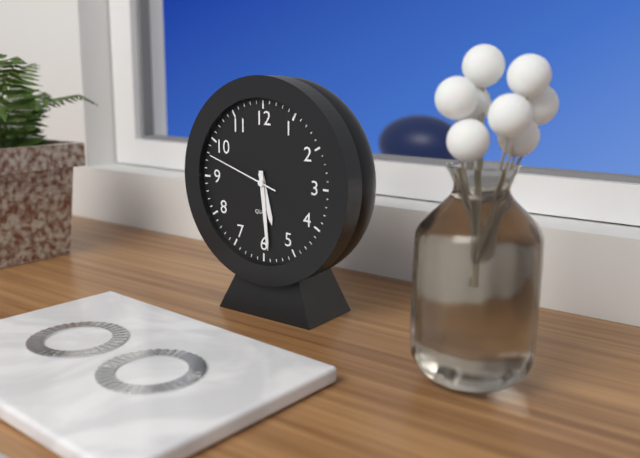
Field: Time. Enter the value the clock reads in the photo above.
5:29:48
